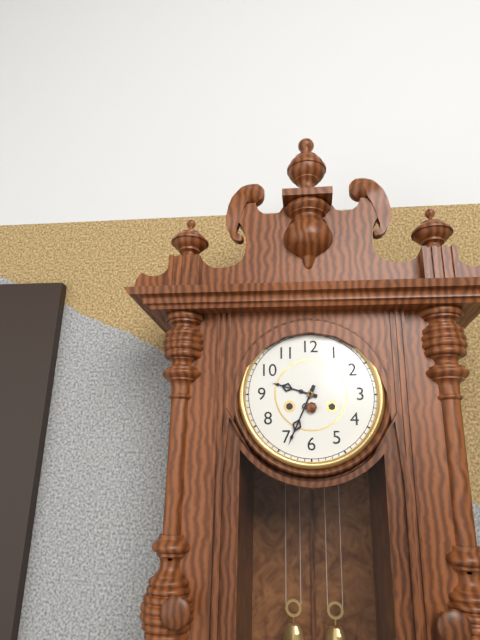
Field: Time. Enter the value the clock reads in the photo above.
9:34
